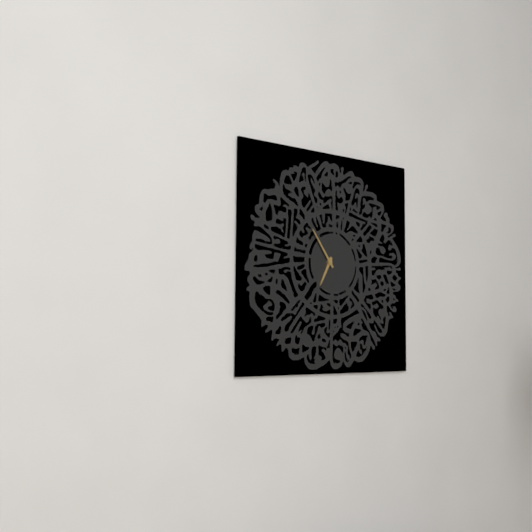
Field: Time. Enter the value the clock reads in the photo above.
6:54
